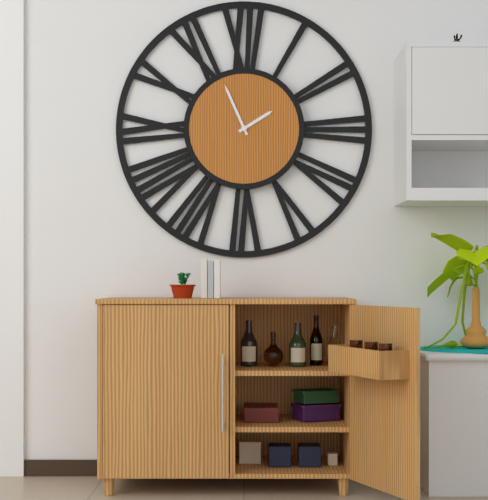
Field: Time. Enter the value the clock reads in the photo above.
1:56
